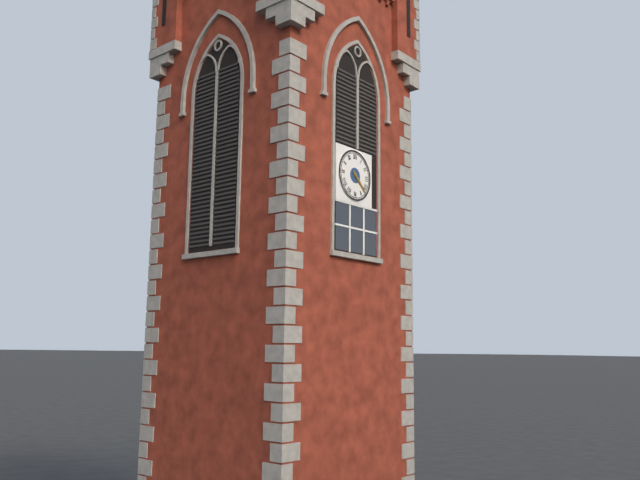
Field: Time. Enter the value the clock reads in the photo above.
4:22
